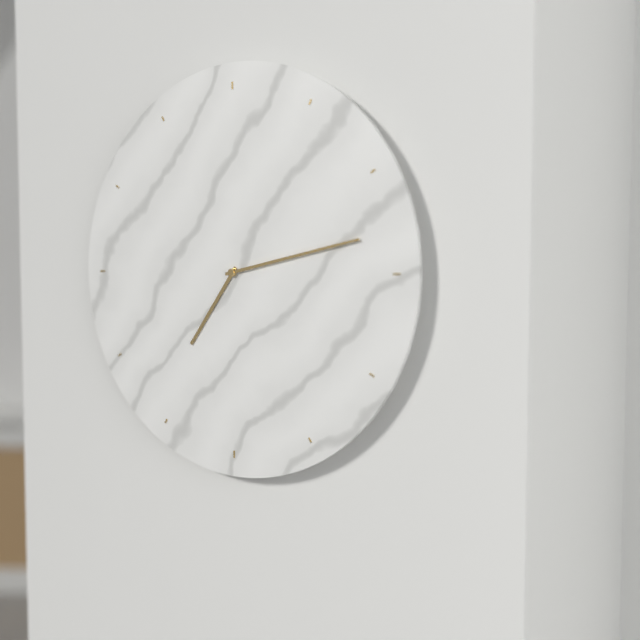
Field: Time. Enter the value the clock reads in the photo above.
7:13
